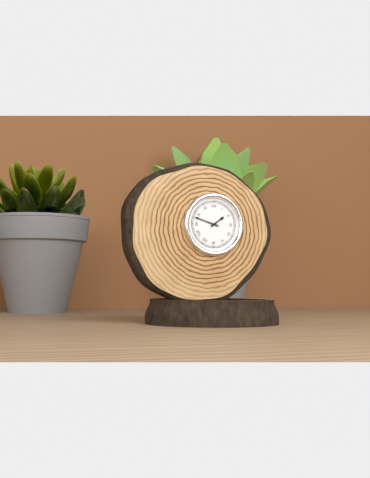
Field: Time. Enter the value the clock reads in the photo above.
1:48
